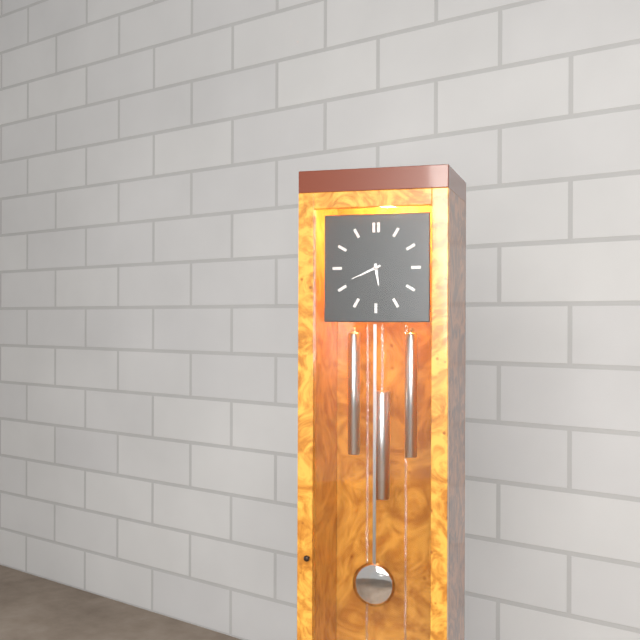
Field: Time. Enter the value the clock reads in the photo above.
5:41
